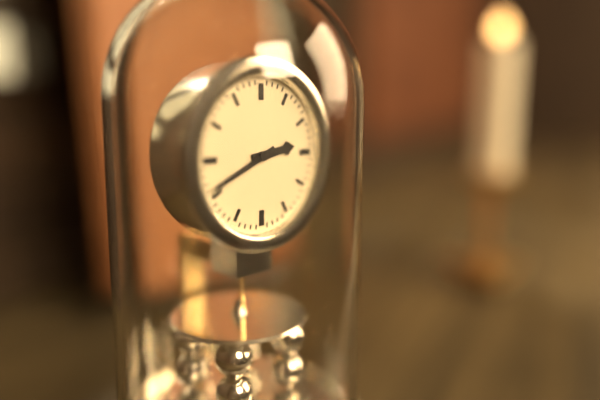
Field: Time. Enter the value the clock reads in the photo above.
2:41
